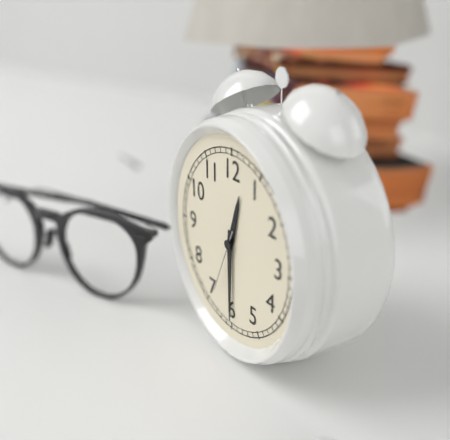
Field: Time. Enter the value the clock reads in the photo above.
12:30:34
